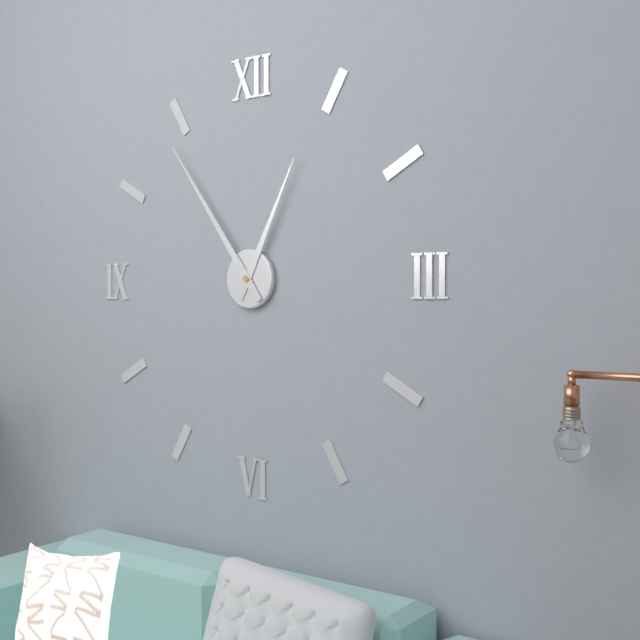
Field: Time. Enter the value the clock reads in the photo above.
12:54
